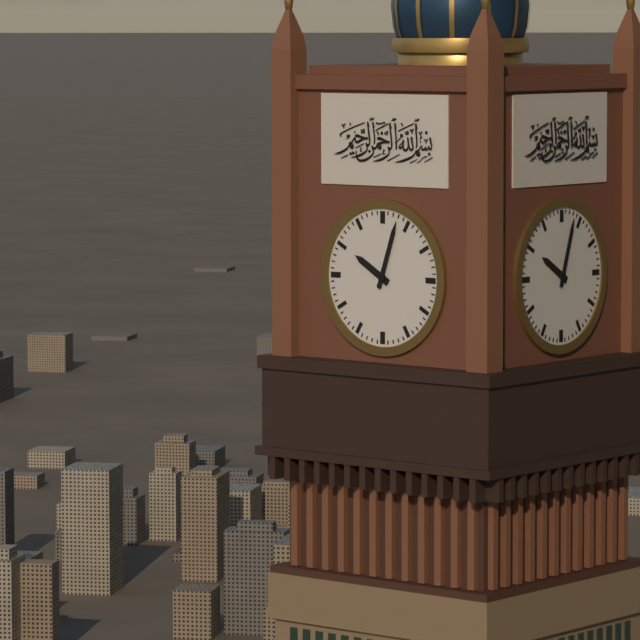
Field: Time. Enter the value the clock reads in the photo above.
10:03
